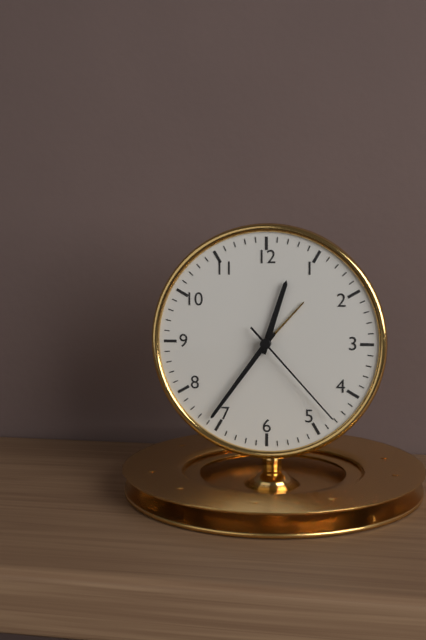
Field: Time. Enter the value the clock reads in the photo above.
12:36:23
